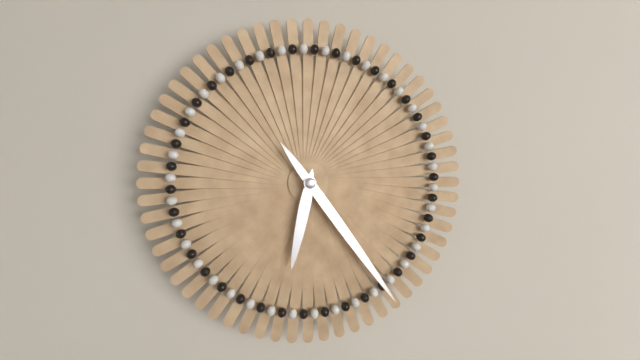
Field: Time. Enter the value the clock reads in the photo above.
6:24
